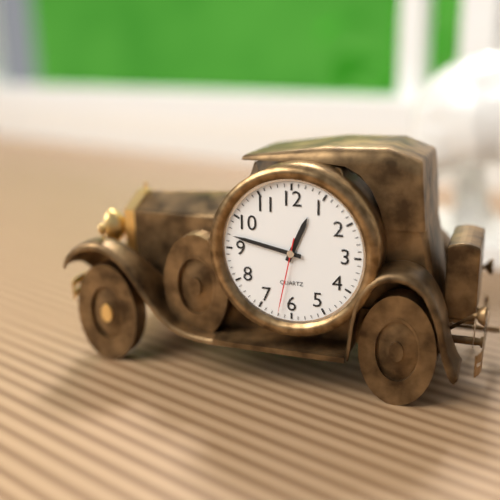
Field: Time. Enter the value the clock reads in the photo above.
12:47:32
